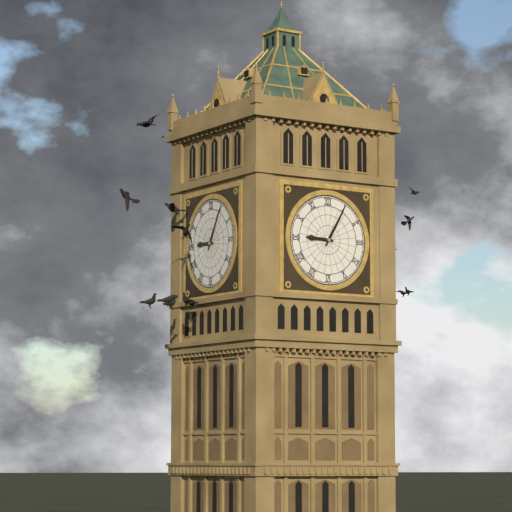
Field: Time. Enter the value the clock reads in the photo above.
9:05
